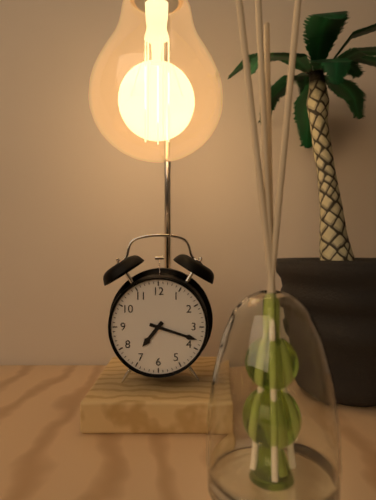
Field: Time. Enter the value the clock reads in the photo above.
7:18
